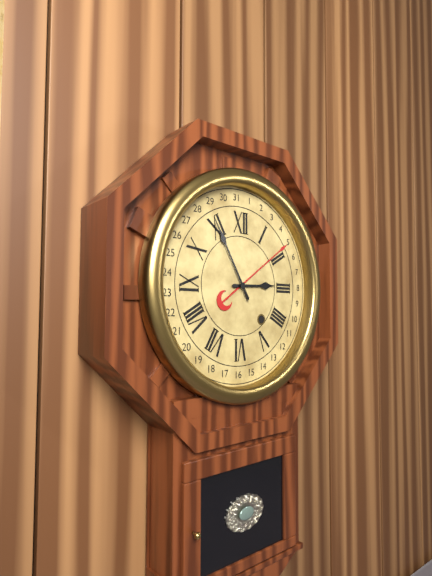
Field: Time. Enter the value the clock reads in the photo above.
2:55
